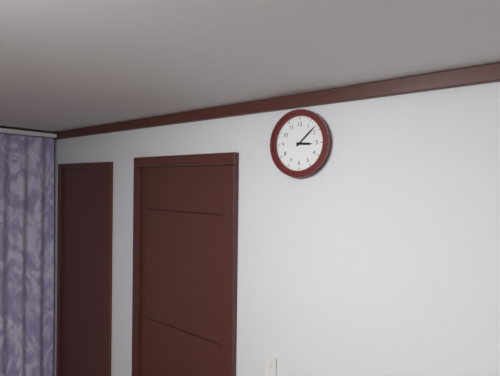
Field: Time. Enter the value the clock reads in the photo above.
3:08
